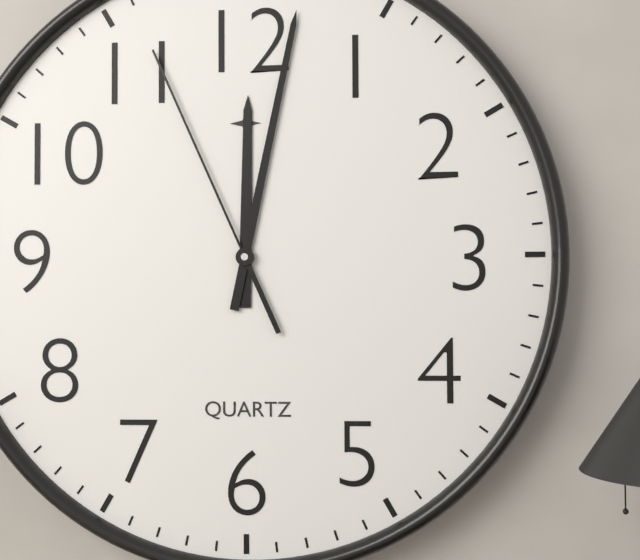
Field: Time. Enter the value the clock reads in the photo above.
12:02:56
